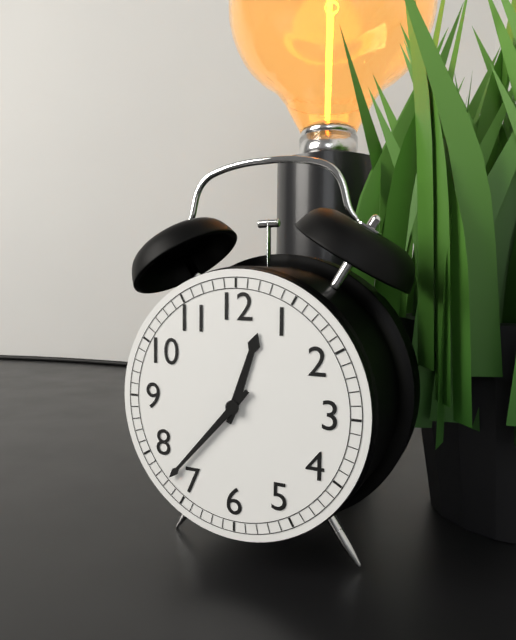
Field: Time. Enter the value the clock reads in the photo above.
12:37
